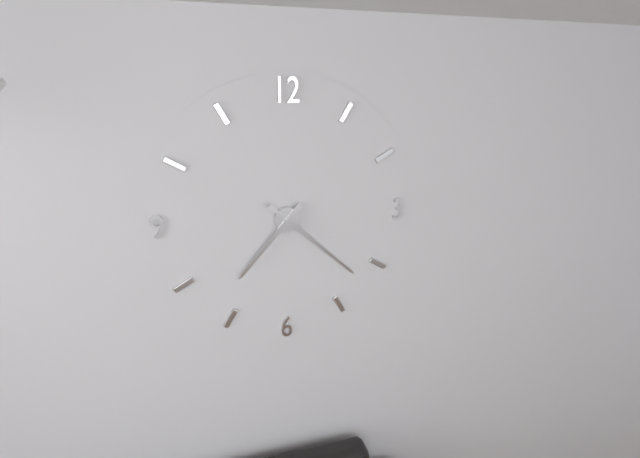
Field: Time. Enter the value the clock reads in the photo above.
7:22
